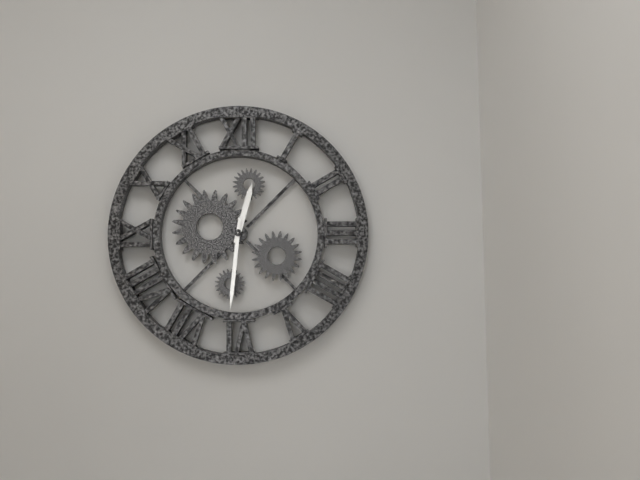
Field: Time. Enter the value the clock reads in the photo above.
12:31
